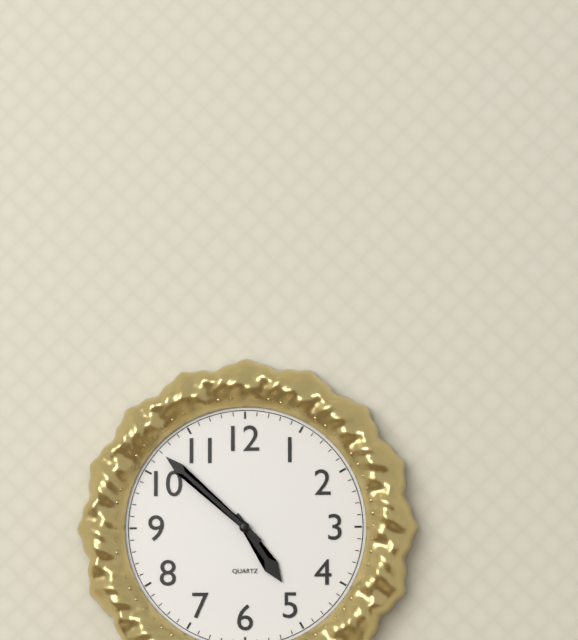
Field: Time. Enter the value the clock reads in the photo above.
4:52
